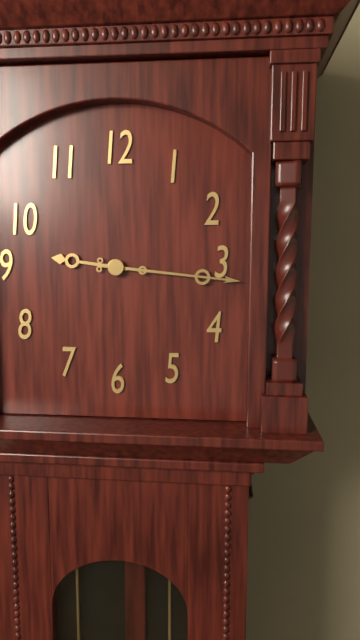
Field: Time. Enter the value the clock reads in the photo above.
9:16
